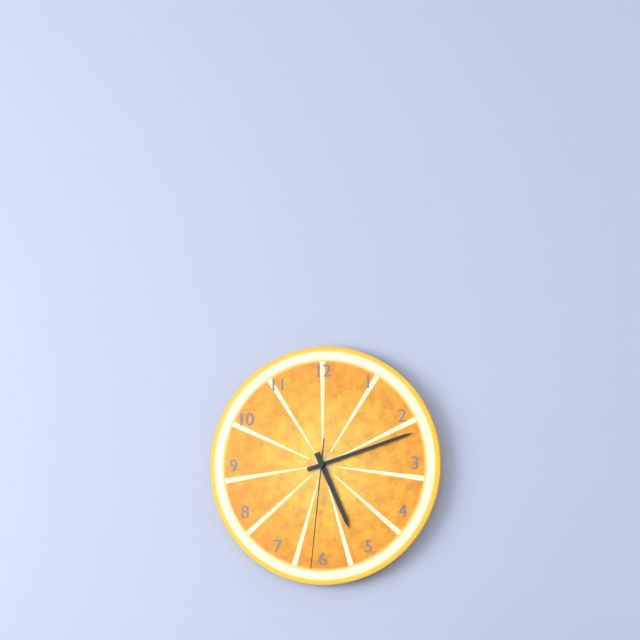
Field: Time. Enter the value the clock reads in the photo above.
5:12:31
